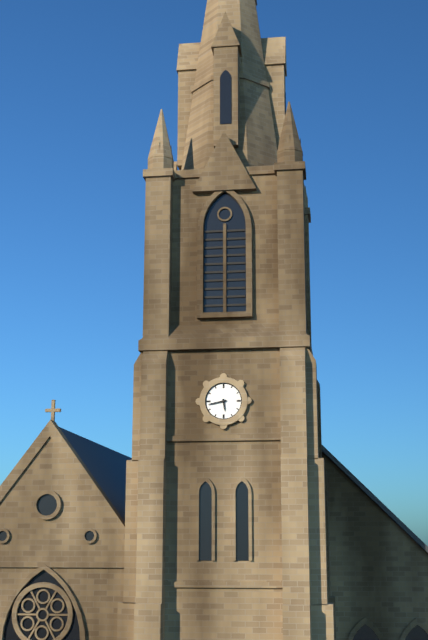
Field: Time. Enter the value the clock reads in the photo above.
5:43
